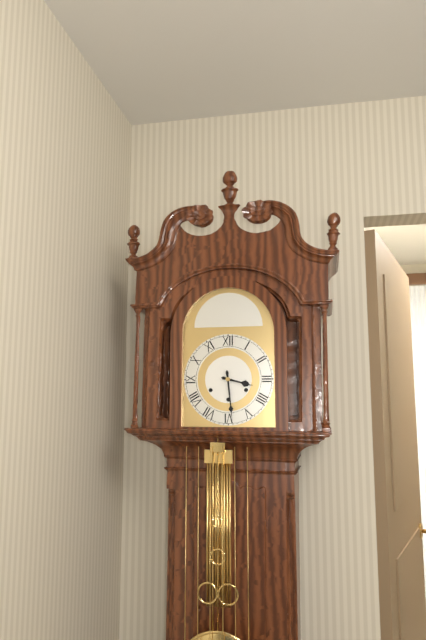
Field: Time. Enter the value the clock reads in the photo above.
3:29
